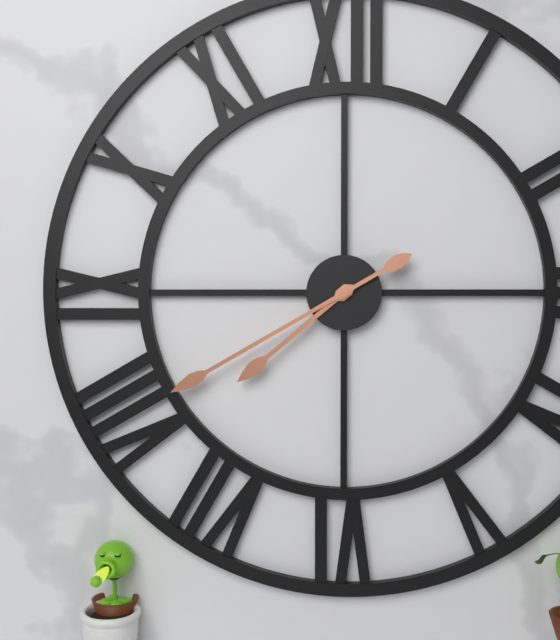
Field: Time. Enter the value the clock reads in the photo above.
7:40
